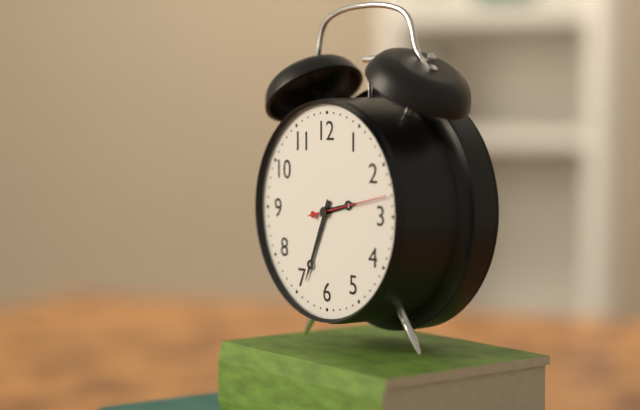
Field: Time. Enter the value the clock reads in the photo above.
2:34:13
